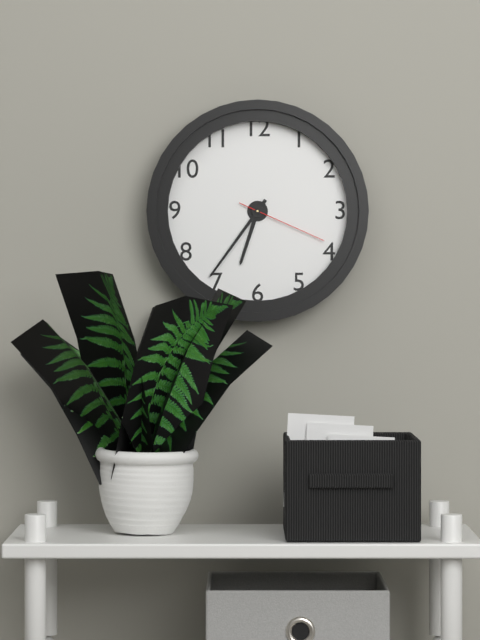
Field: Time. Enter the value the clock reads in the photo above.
6:36:19
